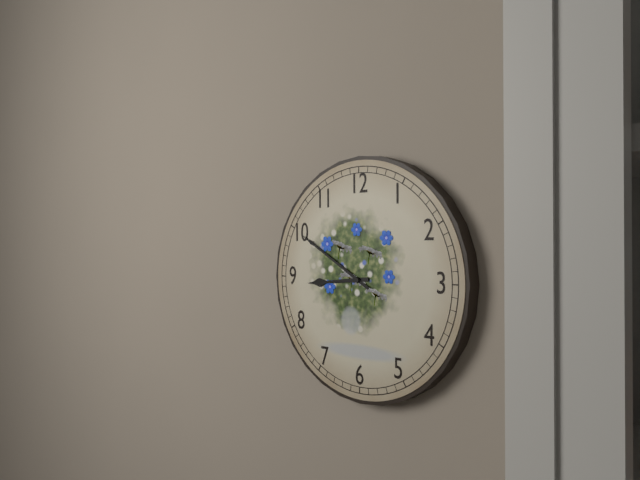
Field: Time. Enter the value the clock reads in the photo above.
8:50
